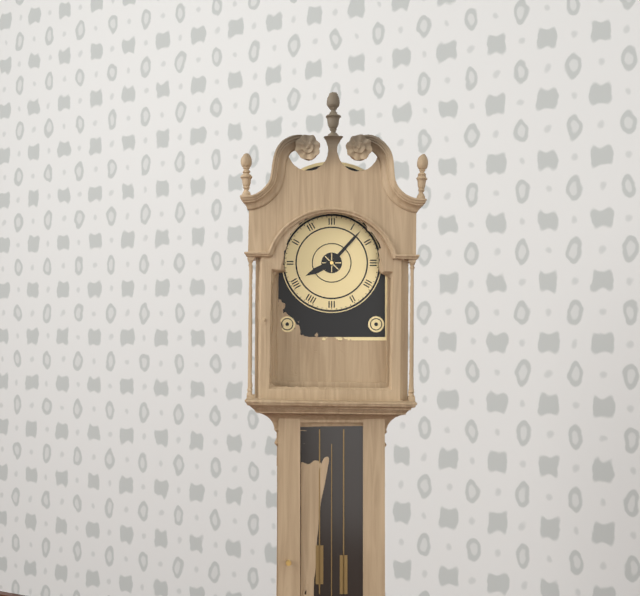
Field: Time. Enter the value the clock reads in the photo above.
8:07
